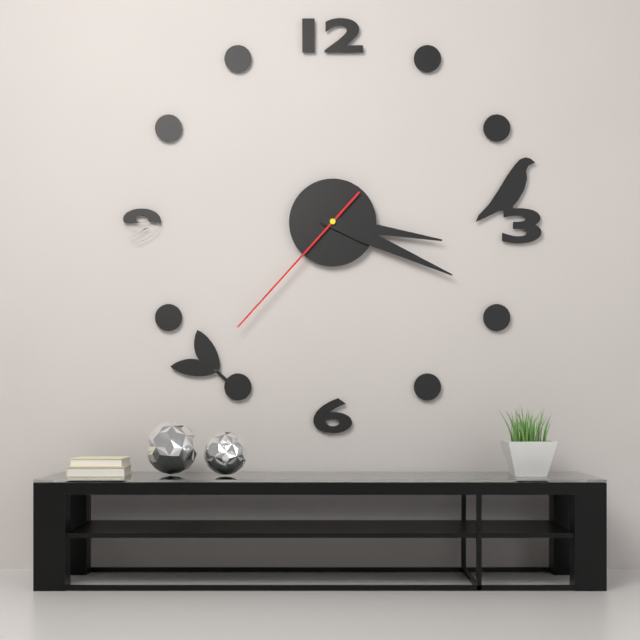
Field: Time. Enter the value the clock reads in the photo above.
3:19:37
